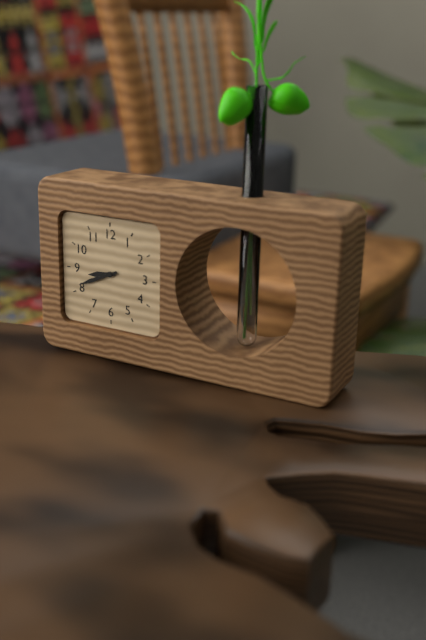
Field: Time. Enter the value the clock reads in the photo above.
8:41
